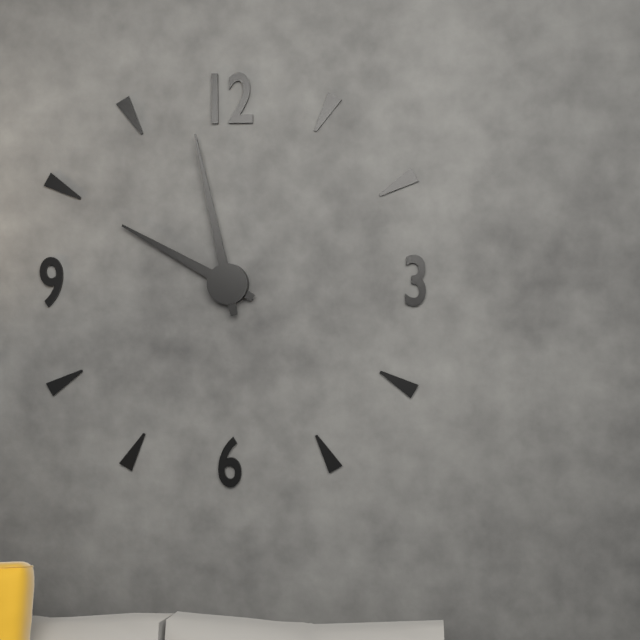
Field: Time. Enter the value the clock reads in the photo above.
9:58
